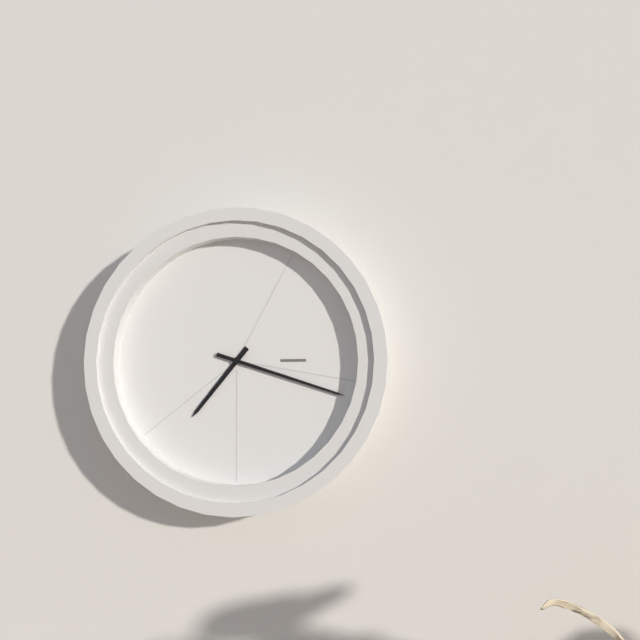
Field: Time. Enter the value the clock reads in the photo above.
7:18
